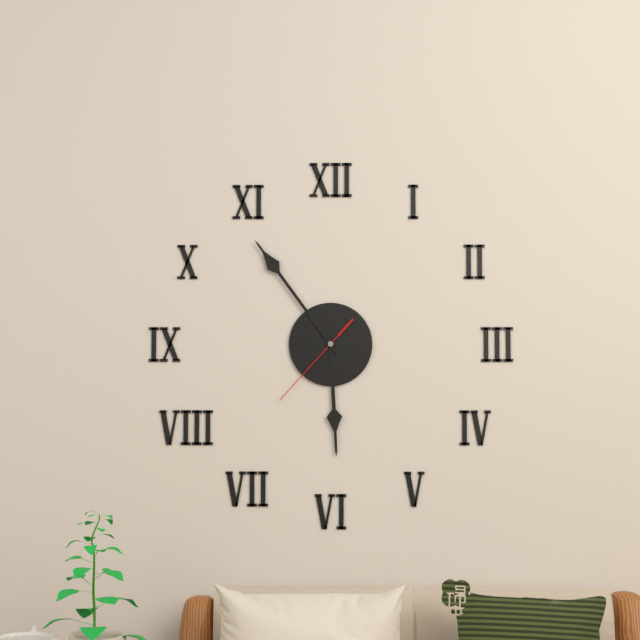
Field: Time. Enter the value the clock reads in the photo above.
5:54:37
